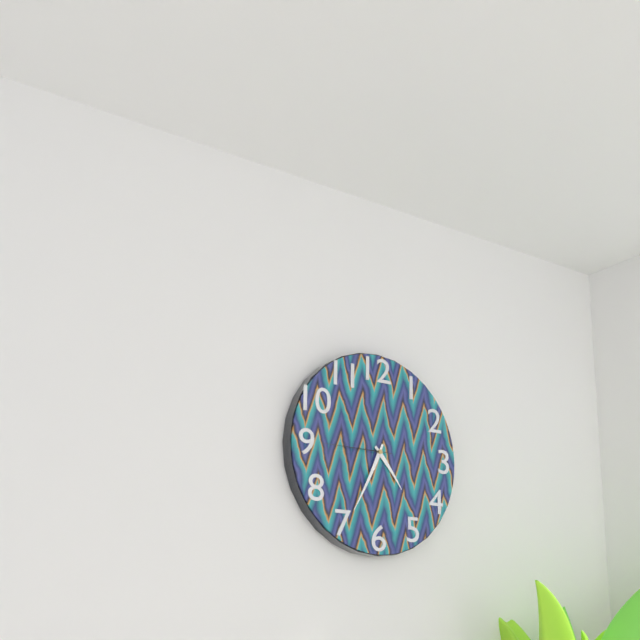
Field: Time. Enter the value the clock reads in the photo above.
4:34:45
